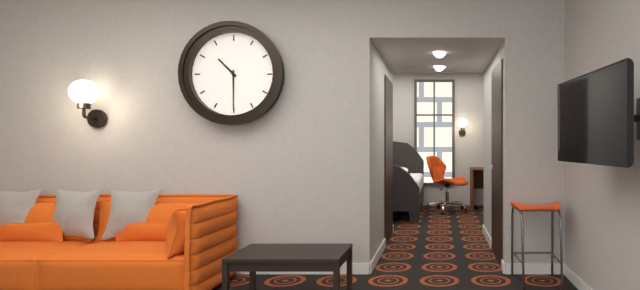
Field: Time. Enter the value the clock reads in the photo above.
10:30
